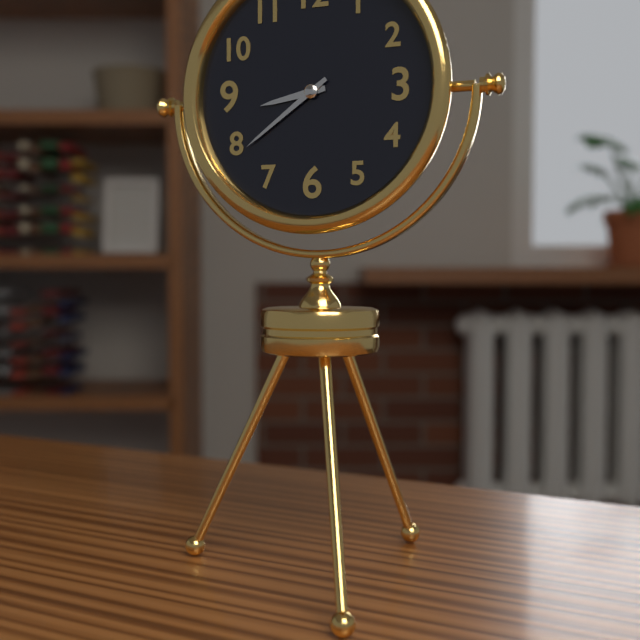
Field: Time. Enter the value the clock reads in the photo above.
8:39
